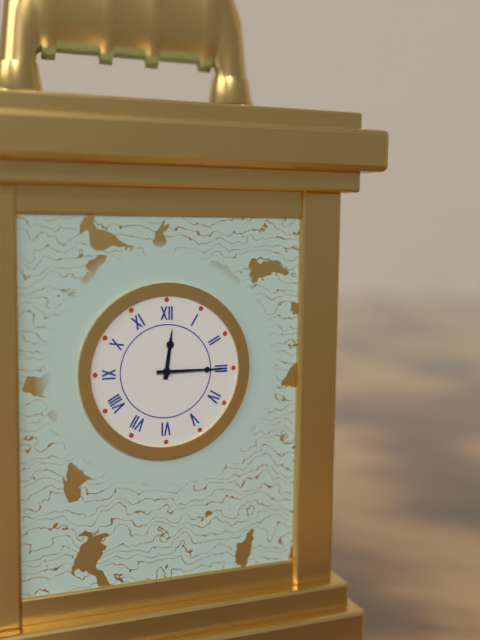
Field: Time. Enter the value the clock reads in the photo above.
12:15
